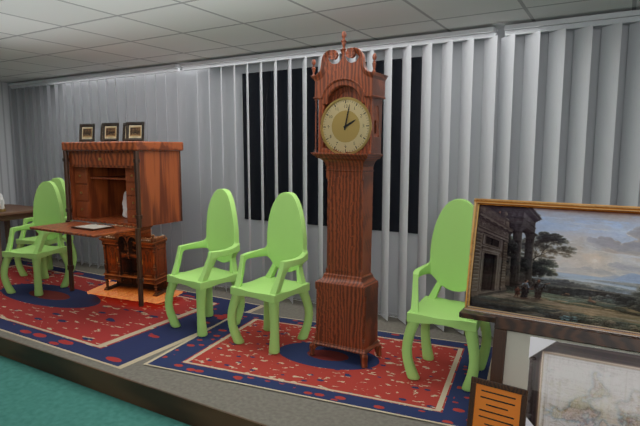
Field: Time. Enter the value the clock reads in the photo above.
2:02
